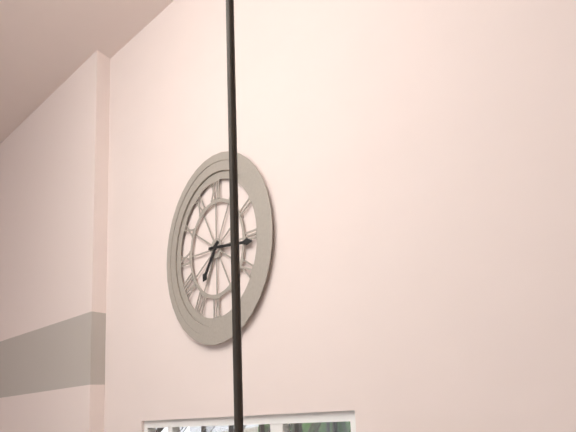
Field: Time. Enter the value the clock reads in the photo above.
7:16
